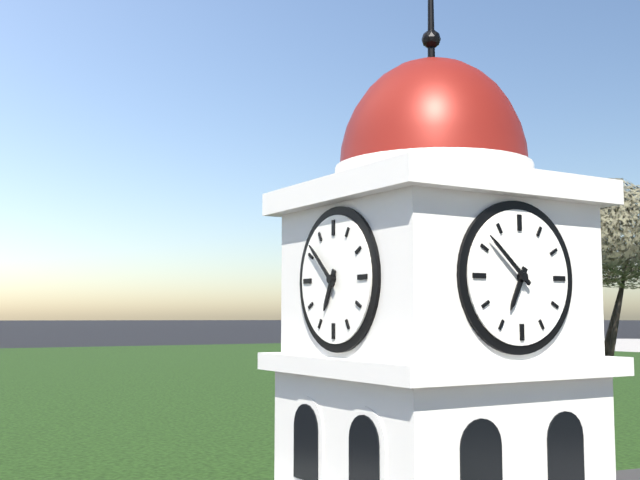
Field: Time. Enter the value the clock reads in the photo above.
6:52
